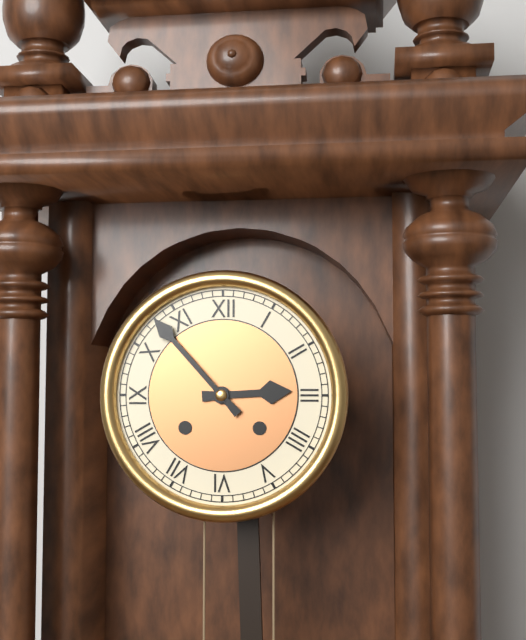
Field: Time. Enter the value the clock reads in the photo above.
2:53
